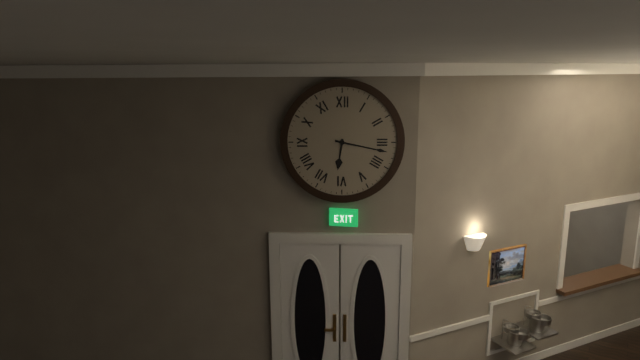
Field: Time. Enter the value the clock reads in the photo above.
6:17
